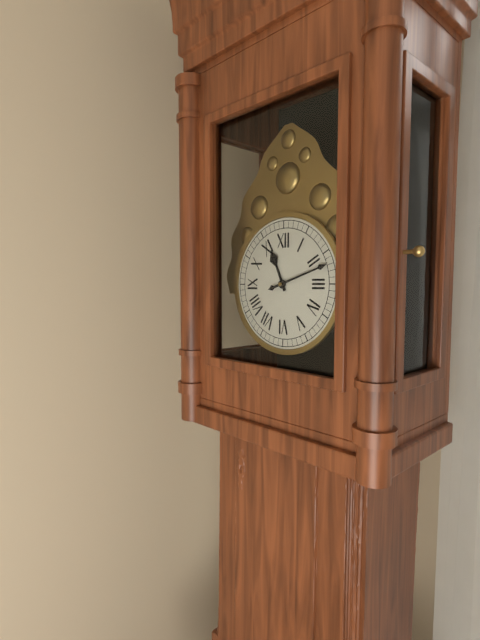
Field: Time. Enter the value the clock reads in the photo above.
11:12
